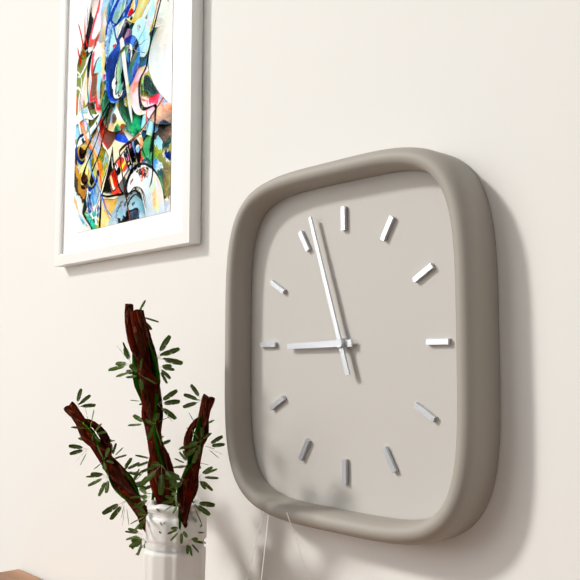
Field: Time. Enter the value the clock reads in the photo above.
8:57
